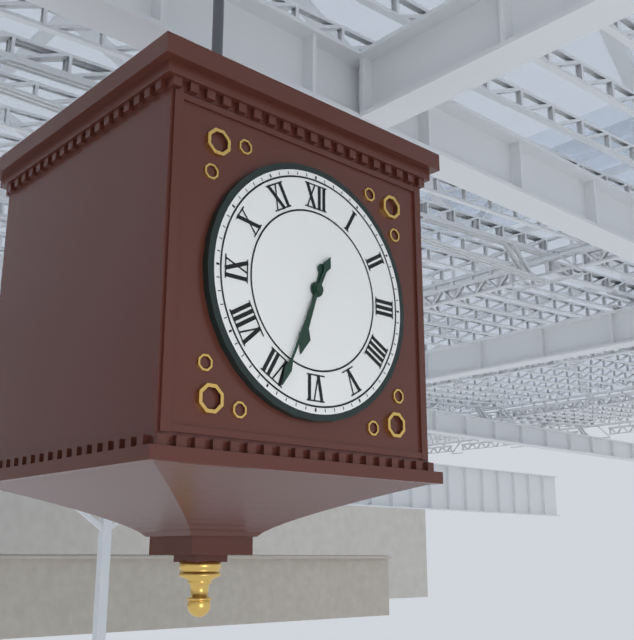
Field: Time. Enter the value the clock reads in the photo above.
6:34
